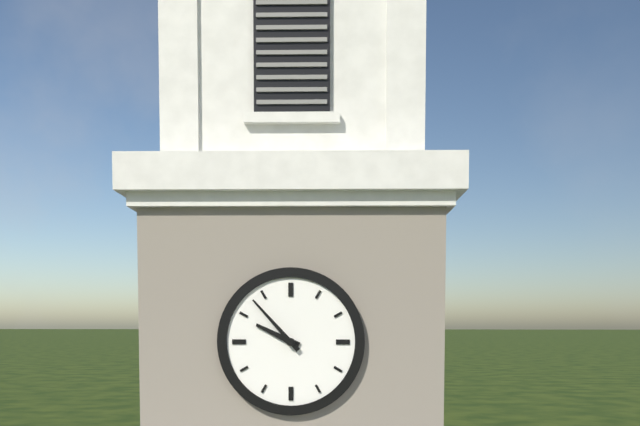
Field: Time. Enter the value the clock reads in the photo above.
9:53
